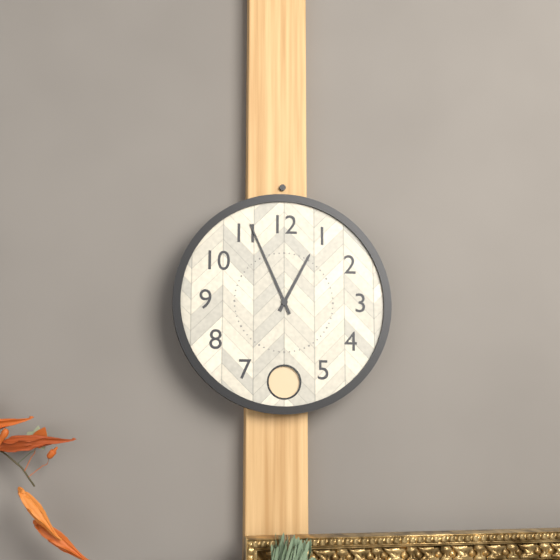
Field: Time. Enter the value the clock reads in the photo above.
12:56
